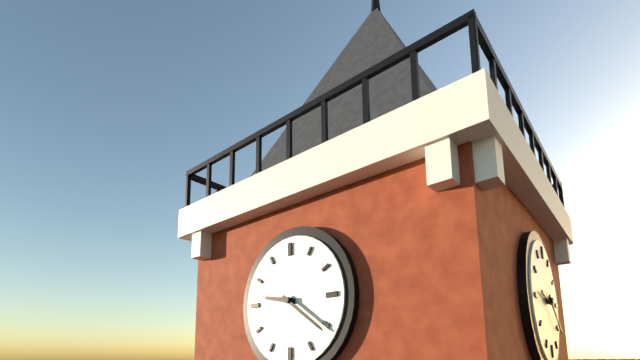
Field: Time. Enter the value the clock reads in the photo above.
9:21
